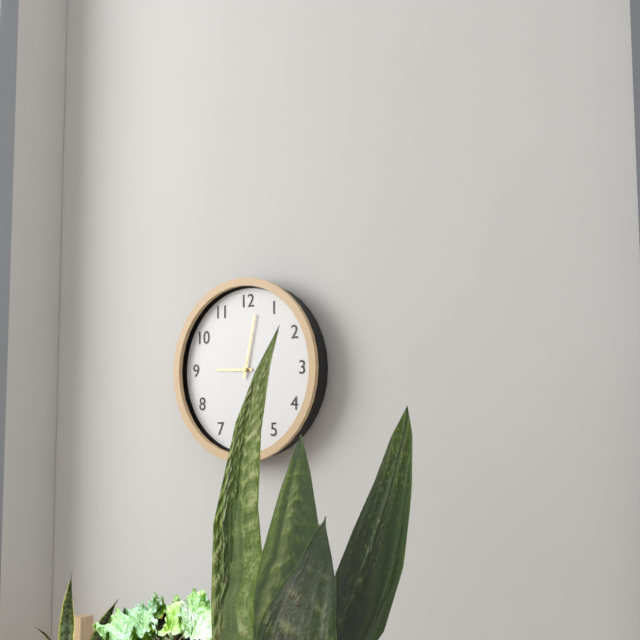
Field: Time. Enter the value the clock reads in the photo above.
9:02
